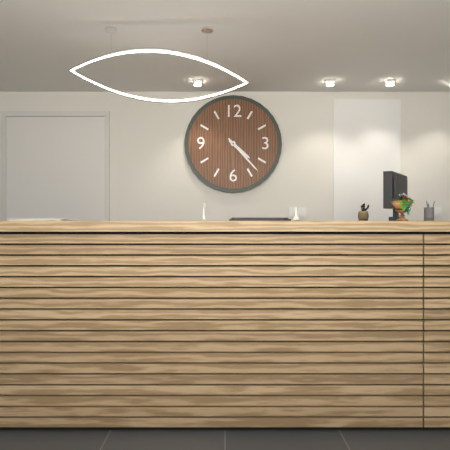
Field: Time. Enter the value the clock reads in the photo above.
4:23
